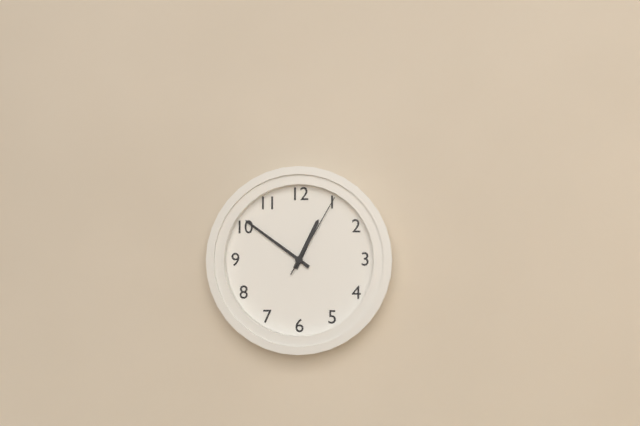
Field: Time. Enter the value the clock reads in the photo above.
12:51:05
